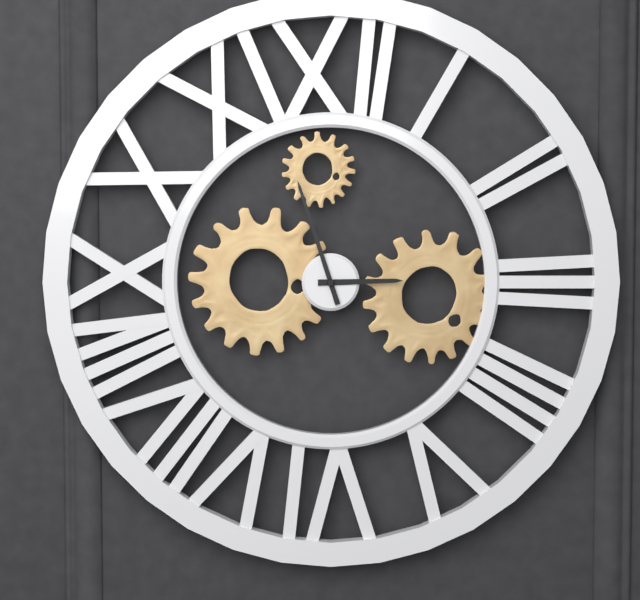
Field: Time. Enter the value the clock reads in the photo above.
2:57
